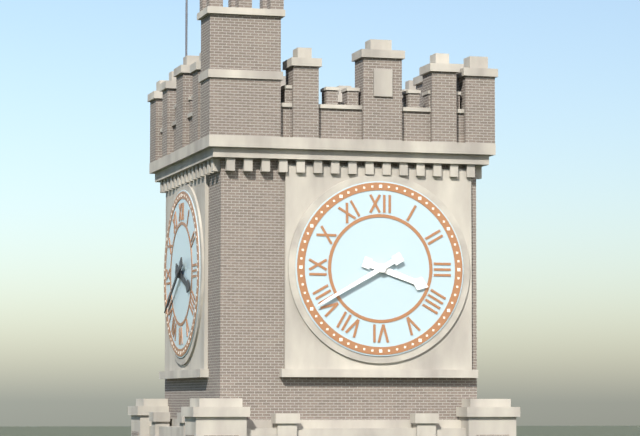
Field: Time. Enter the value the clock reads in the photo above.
3:40
